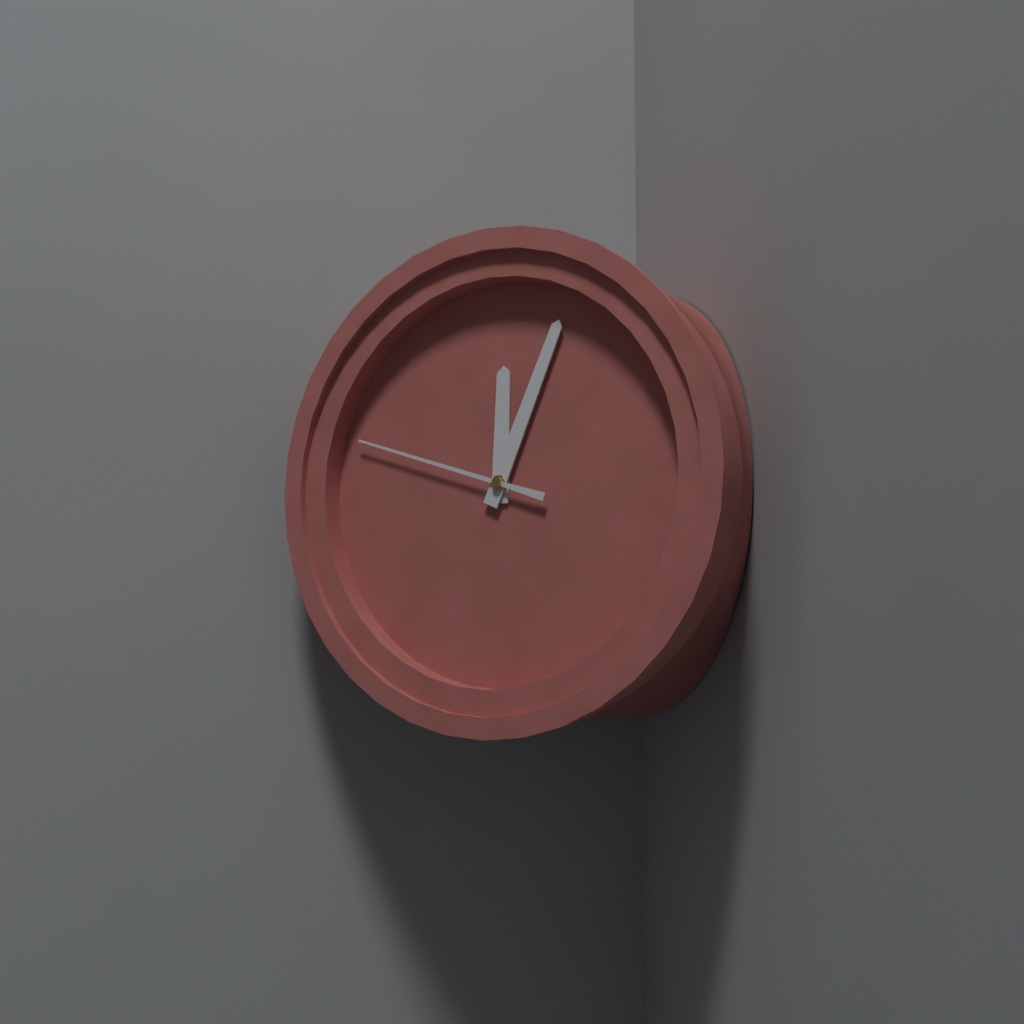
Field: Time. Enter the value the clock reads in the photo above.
12:04:48
